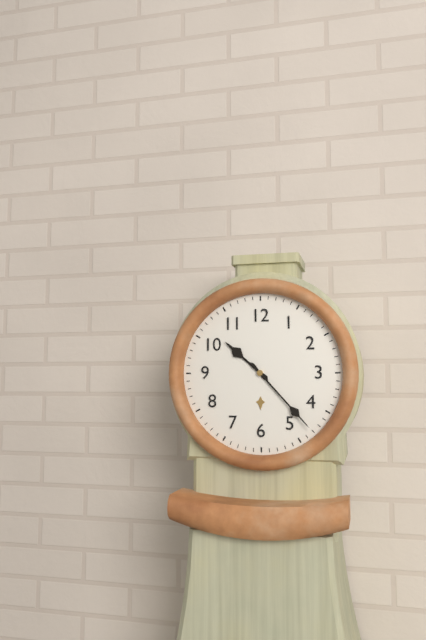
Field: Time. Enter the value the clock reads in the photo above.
10:23
